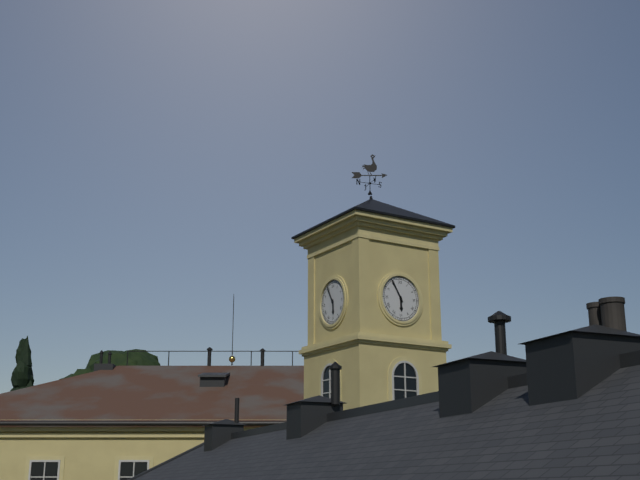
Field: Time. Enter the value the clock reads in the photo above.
5:55
